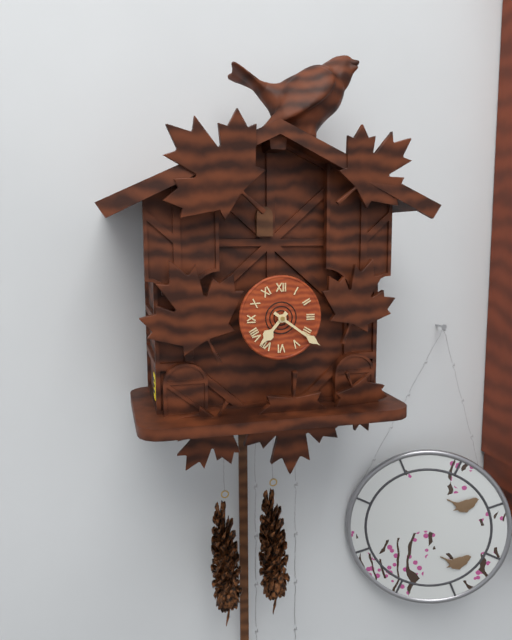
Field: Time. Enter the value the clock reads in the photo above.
7:21
